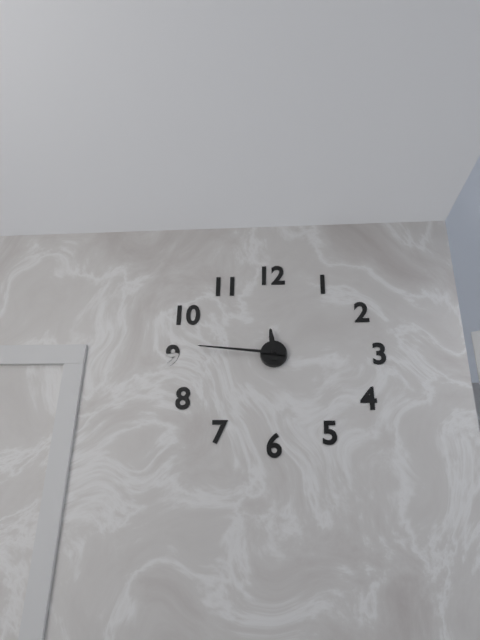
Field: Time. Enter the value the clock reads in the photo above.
11:46
